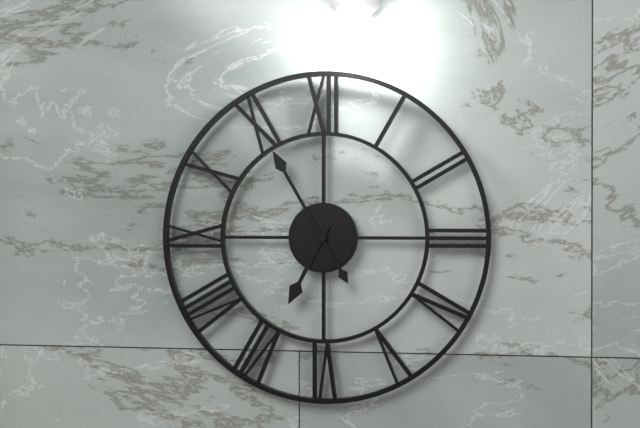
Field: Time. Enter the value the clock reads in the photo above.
6:55
